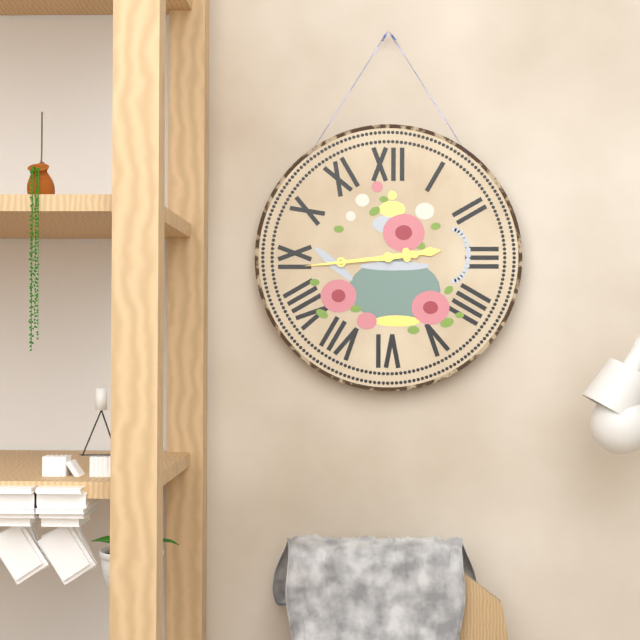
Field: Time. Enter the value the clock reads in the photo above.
2:44
